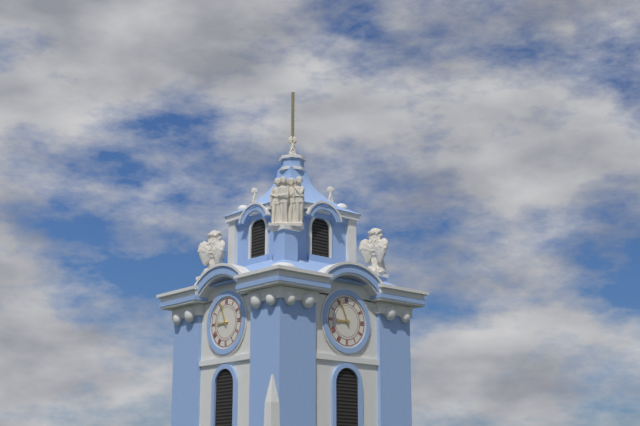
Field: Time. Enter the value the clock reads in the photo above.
8:56
